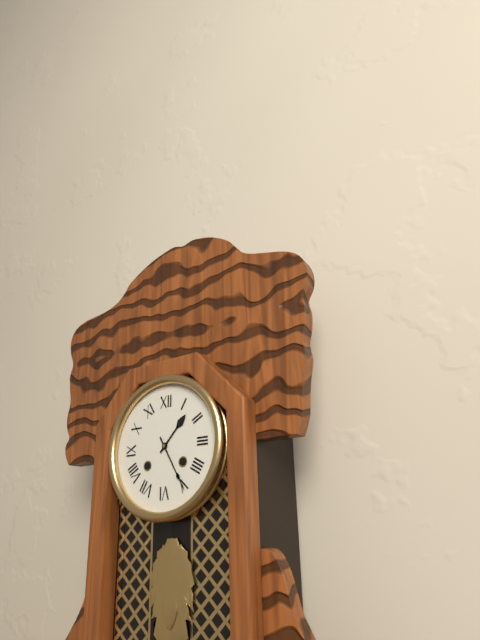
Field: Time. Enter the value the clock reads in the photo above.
1:25
